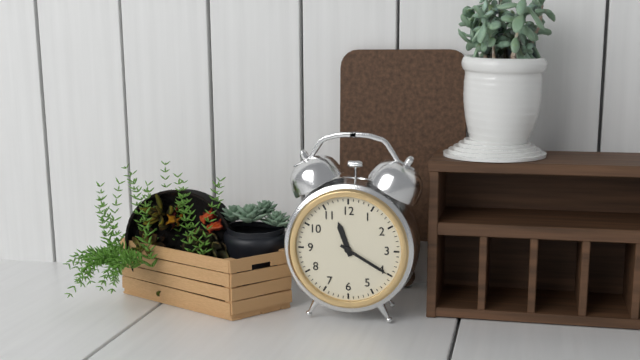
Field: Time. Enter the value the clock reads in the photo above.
11:20
